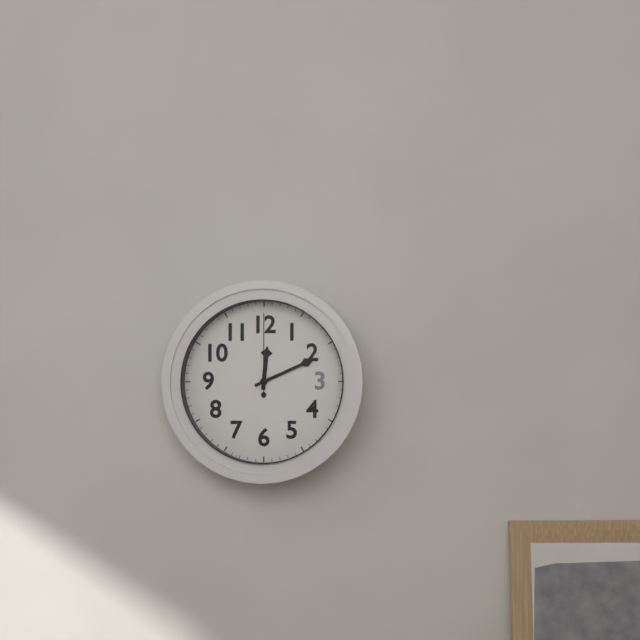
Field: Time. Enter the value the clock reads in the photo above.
12:11:00
